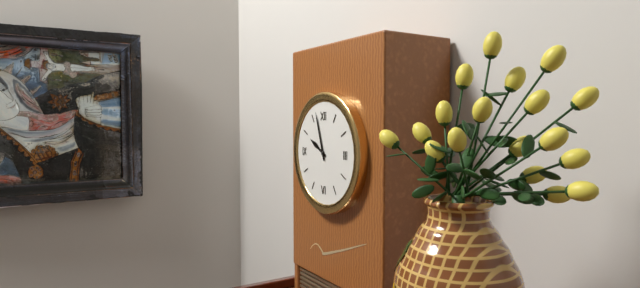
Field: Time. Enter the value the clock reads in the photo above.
9:57
